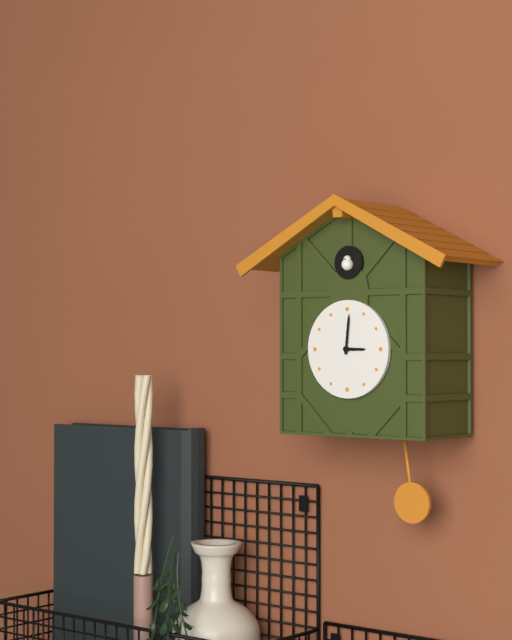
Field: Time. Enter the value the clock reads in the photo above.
3:01
